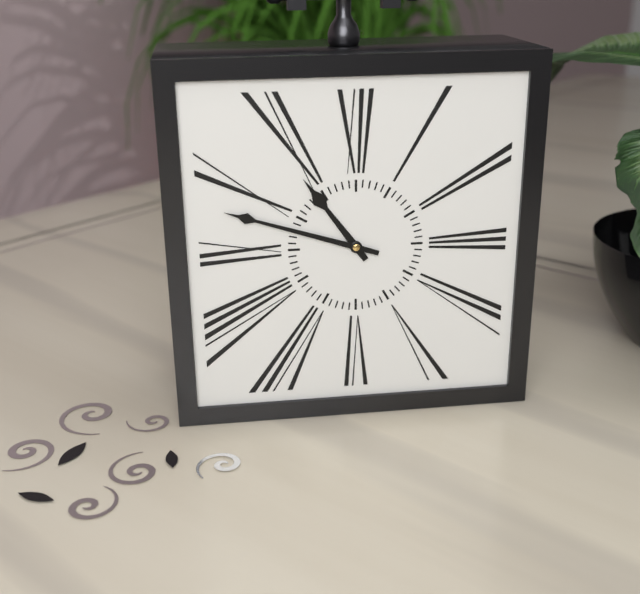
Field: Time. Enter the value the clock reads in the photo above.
10:48
